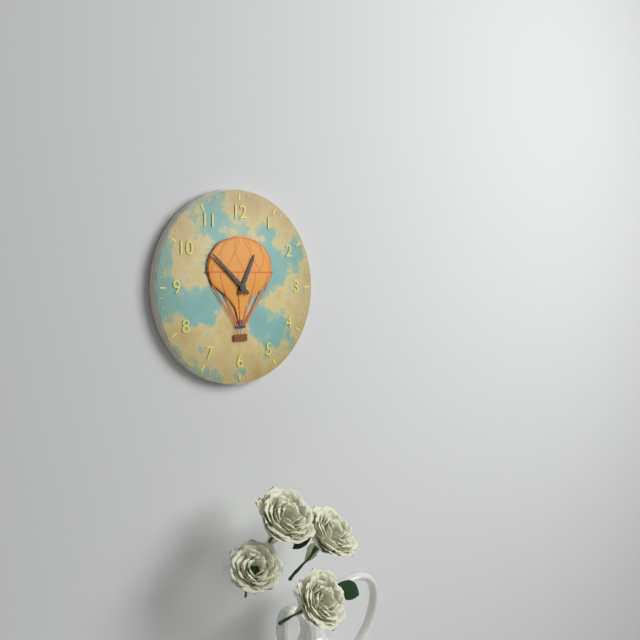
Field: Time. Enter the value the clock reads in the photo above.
12:52
